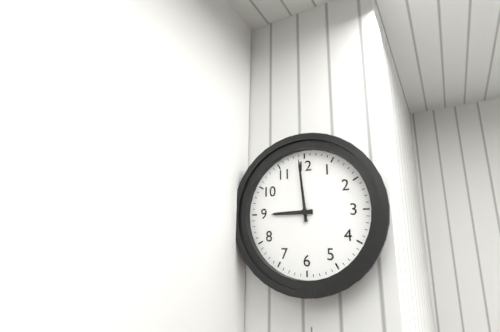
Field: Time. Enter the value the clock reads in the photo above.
8:59
